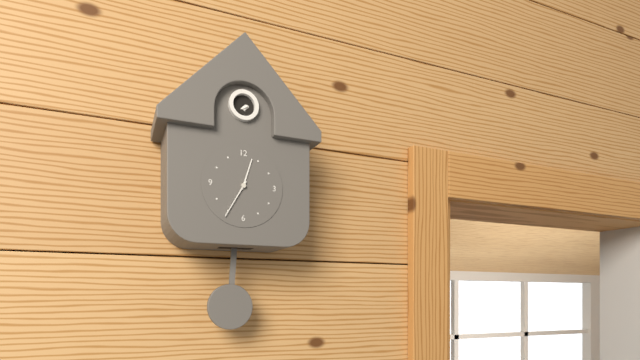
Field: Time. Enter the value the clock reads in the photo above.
12:35
